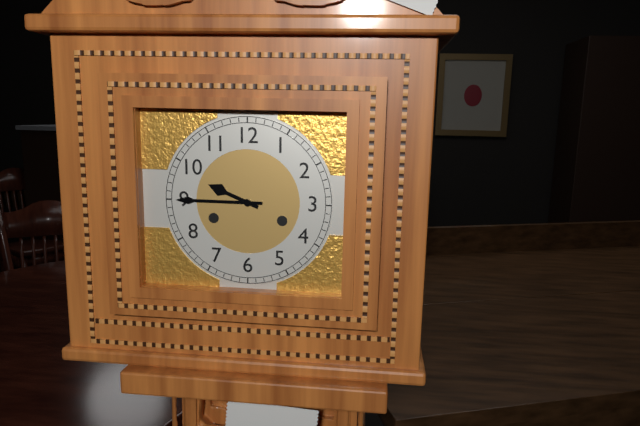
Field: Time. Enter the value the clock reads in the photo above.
9:45
